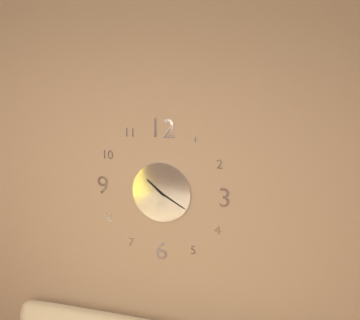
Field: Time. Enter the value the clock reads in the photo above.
10:20
